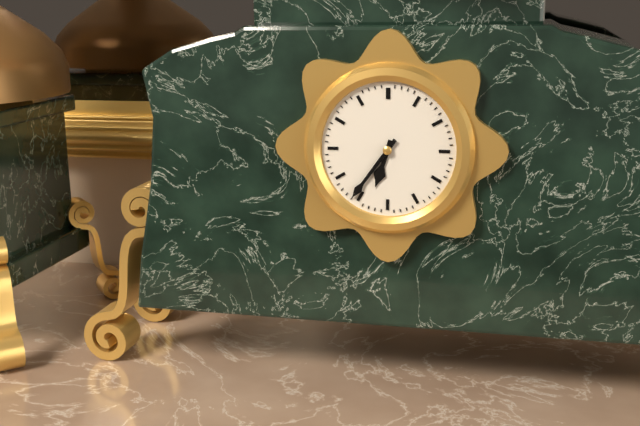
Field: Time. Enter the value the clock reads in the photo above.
6:36
